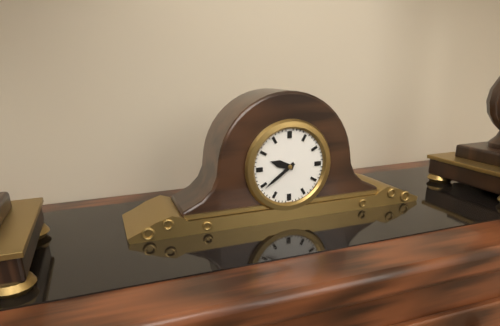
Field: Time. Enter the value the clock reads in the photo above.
9:39
